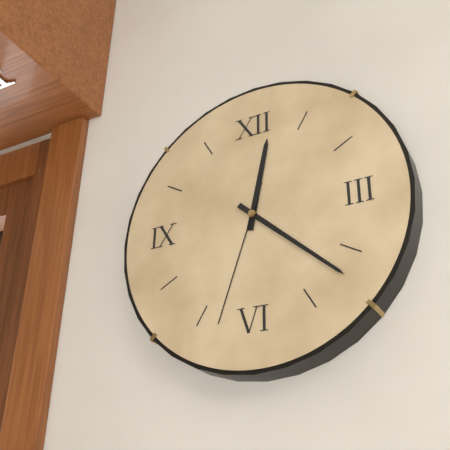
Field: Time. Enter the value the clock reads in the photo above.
12:22:33
